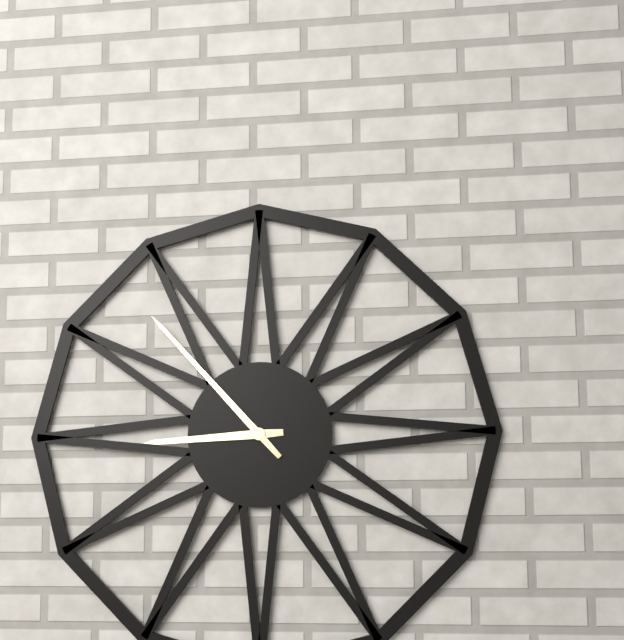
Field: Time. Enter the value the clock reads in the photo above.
8:53
